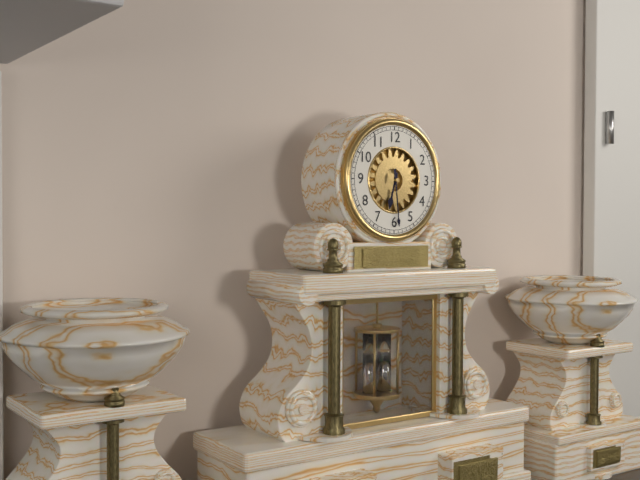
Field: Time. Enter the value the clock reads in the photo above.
6:29
